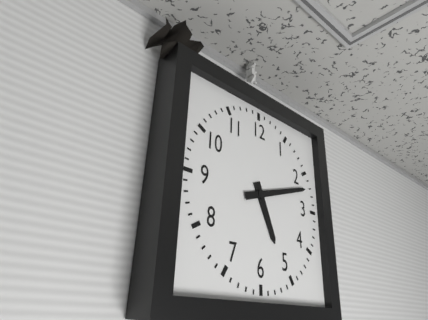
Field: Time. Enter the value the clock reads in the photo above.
5:12
